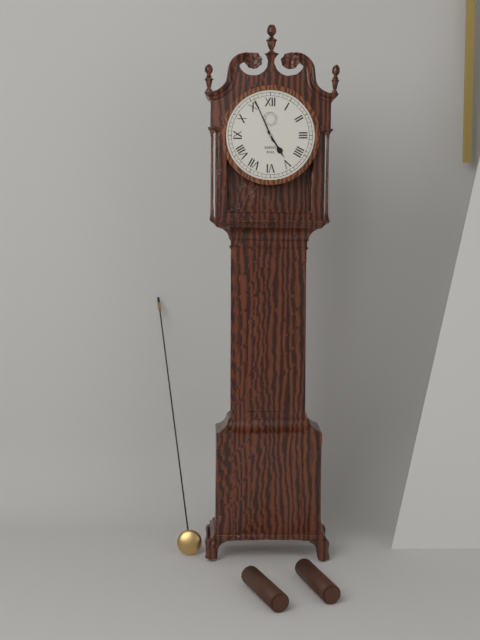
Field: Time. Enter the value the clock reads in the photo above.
4:56
